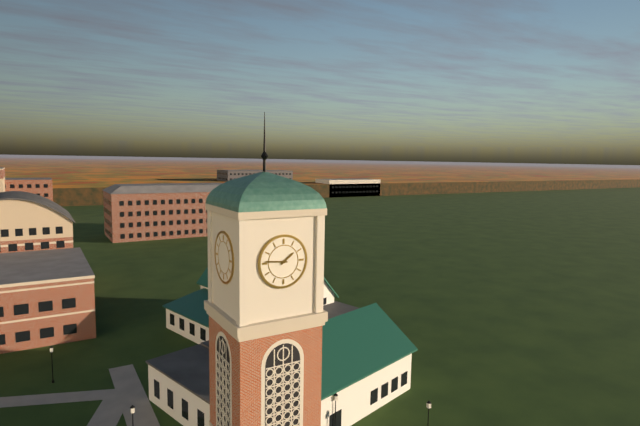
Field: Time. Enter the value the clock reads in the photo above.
1:46
